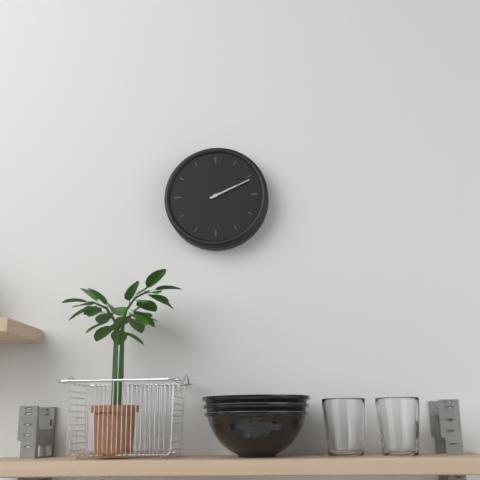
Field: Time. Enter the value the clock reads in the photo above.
2:11
